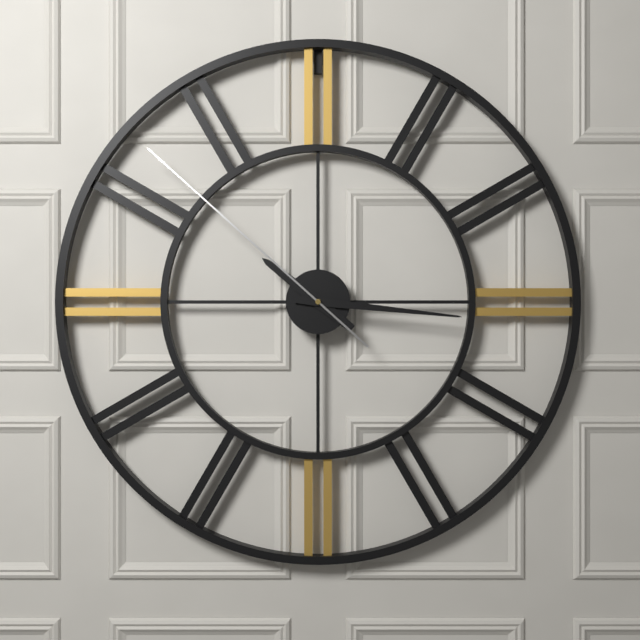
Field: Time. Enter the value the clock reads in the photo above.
10:16:52
